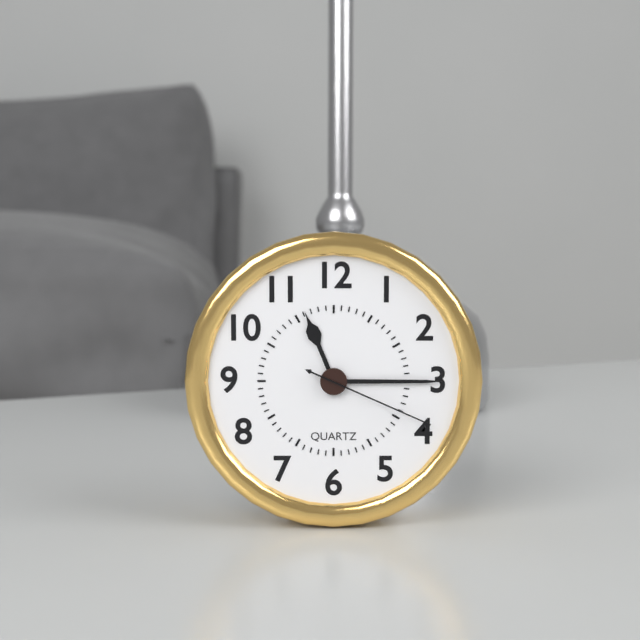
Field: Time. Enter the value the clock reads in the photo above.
11:15:19
